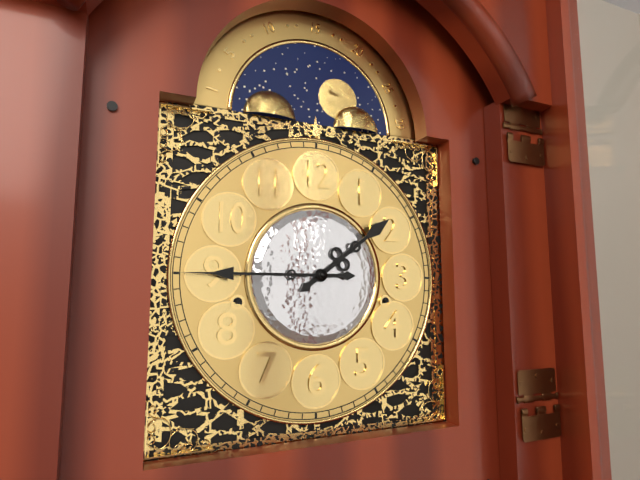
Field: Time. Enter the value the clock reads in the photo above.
1:45
